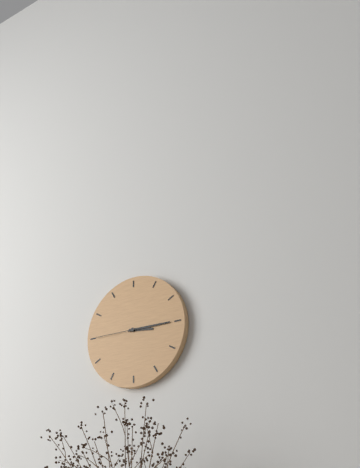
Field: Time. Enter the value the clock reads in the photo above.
3:15
